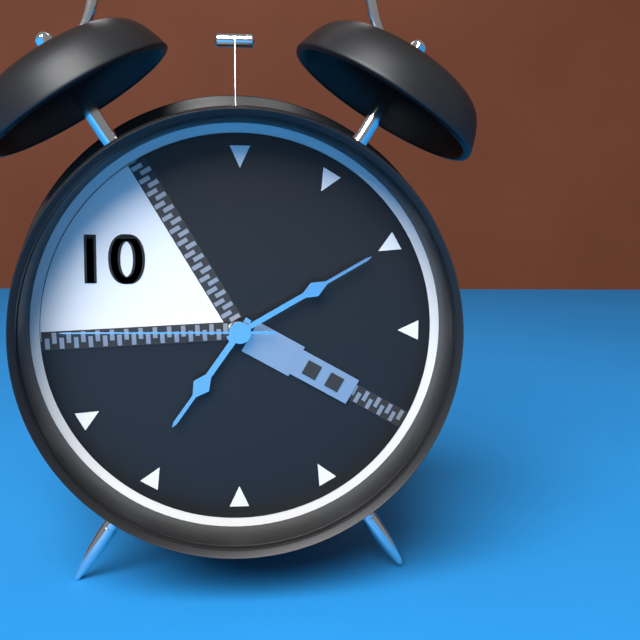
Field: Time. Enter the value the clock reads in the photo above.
7:10:45
